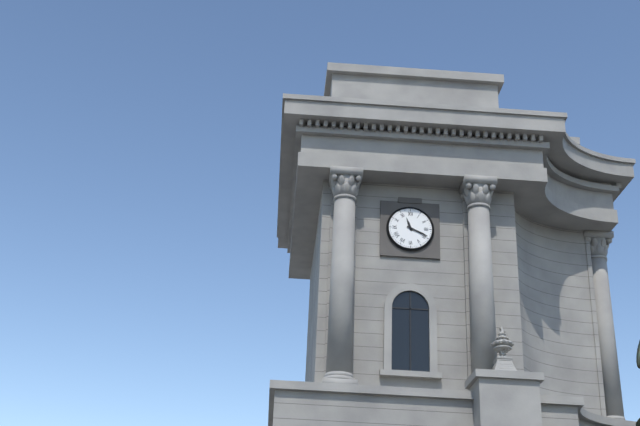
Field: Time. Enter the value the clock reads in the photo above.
11:19
